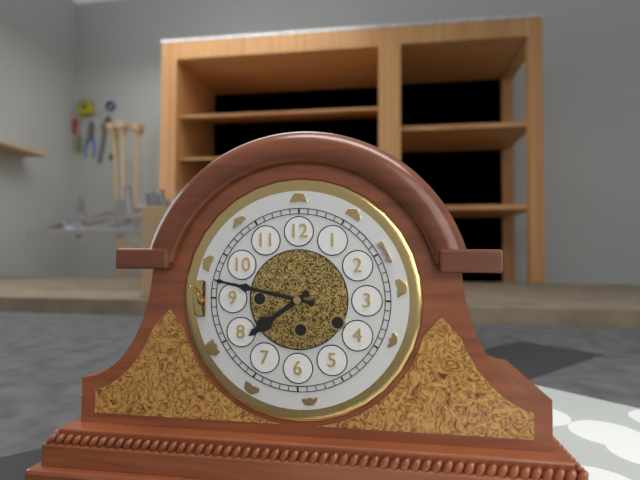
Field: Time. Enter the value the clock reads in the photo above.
7:47
